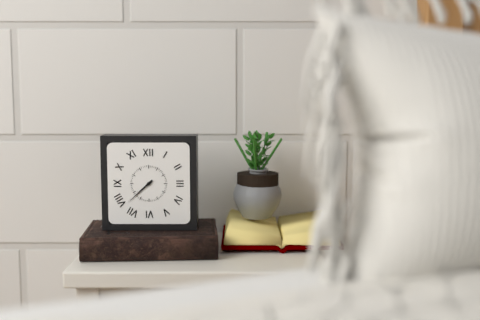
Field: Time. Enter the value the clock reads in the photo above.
7:38
